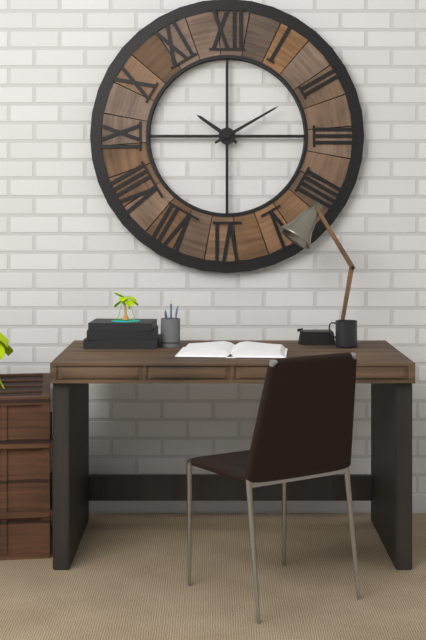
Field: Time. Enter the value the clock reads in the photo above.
10:10
